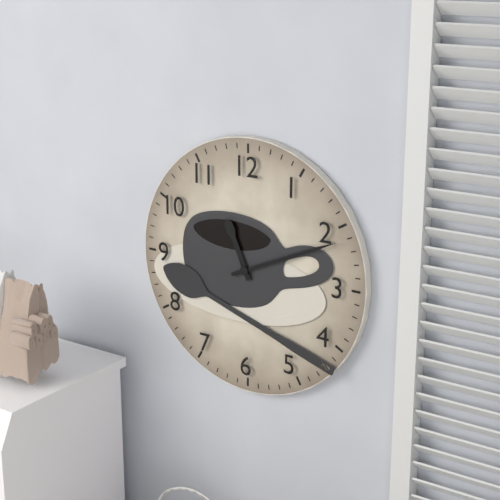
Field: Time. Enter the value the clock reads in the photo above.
11:11
